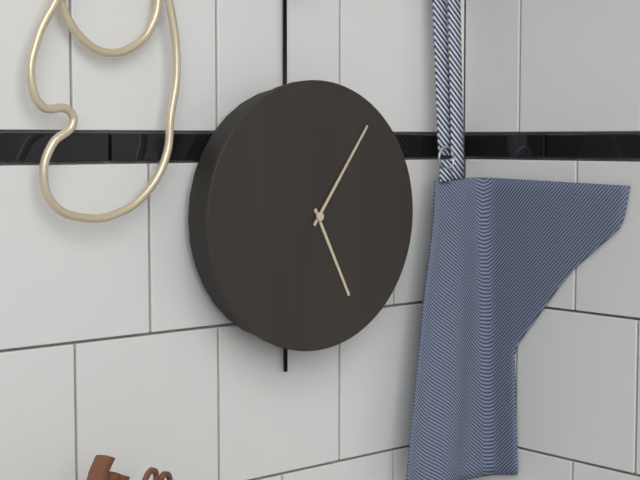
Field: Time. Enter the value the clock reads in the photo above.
5:06
